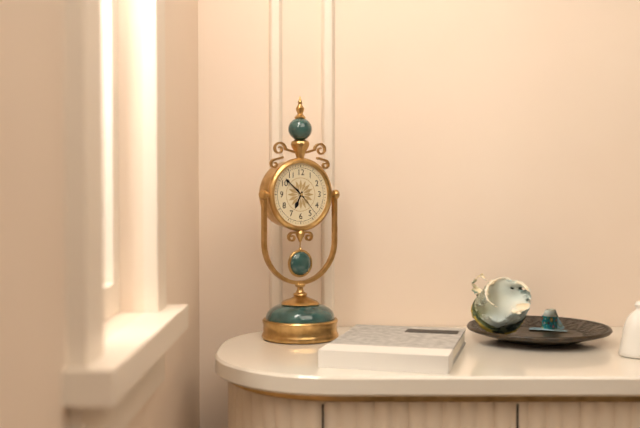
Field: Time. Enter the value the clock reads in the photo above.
6:52
